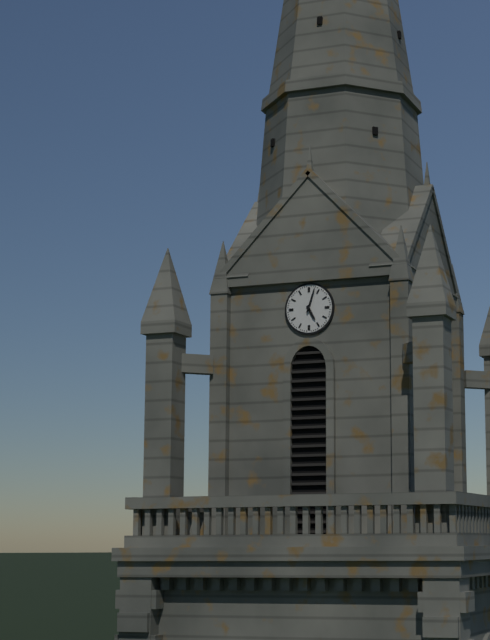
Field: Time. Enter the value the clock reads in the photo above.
5:03
